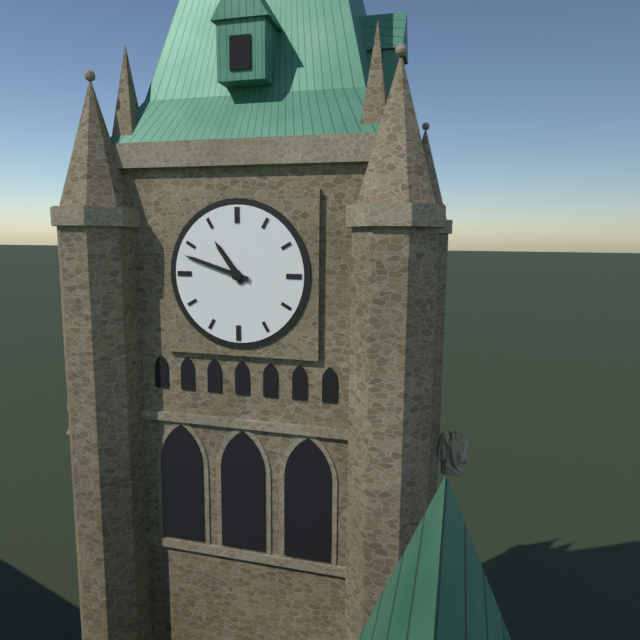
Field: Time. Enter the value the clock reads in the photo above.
10:48
